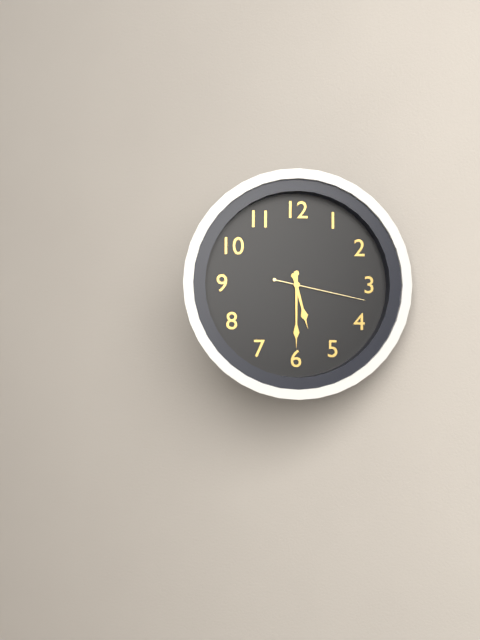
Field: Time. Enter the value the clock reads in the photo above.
5:30:17
